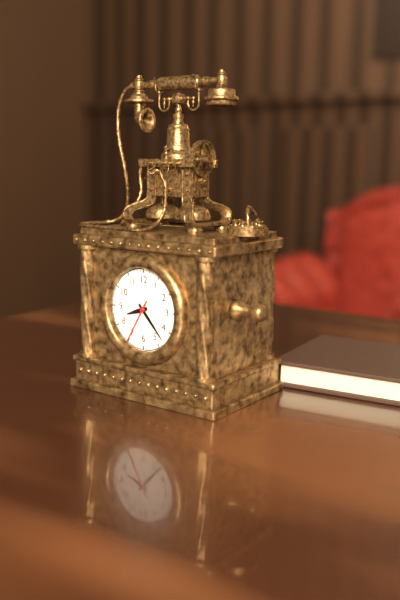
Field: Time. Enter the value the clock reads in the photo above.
8:23
